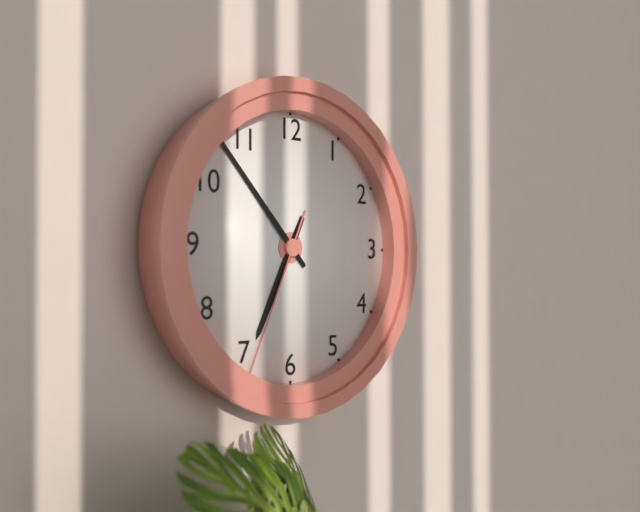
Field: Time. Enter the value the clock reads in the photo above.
6:53:34
